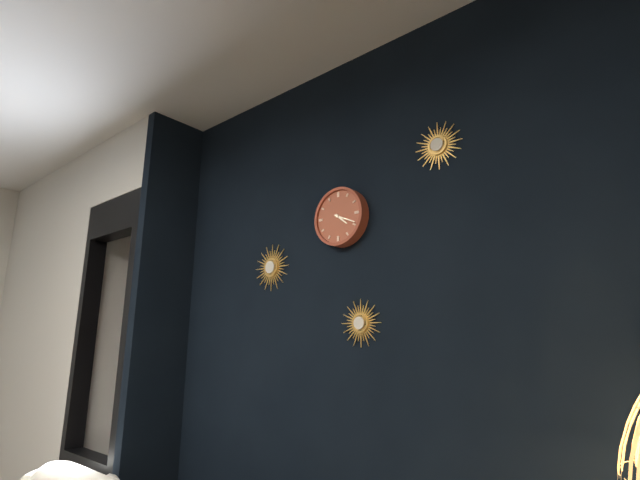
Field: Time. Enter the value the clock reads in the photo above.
4:19
